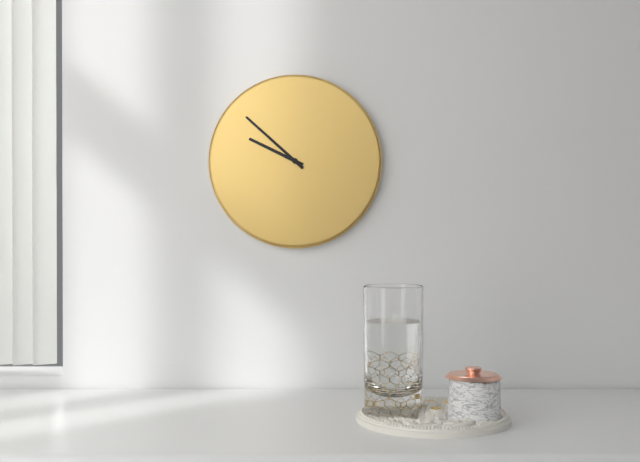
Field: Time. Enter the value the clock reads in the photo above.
9:52
